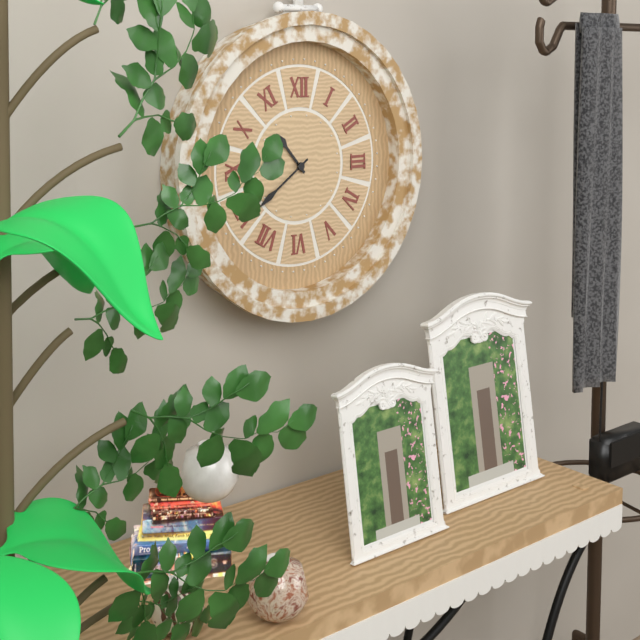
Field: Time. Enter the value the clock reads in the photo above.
10:39
